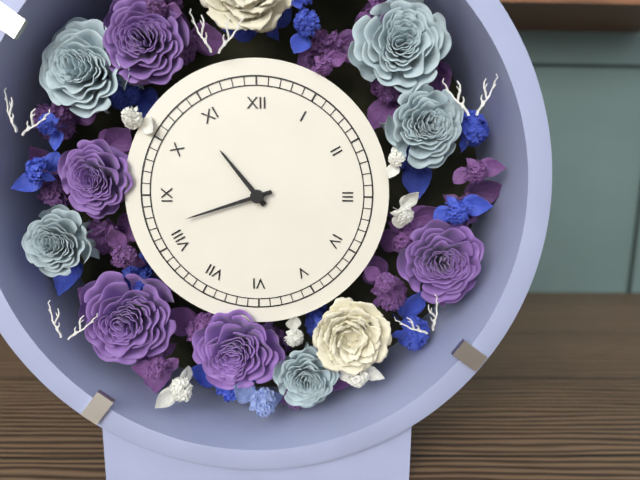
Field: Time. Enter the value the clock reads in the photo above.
10:42
